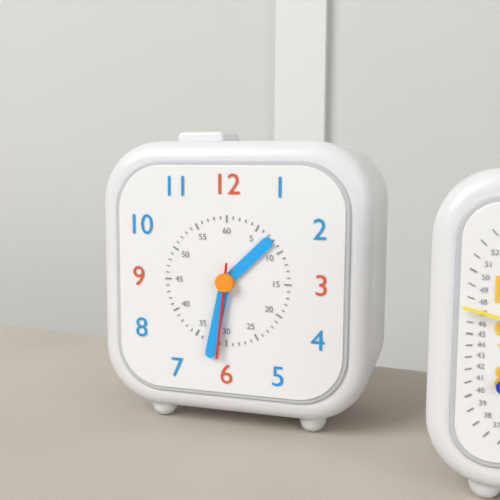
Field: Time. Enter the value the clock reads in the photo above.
1:32:31
